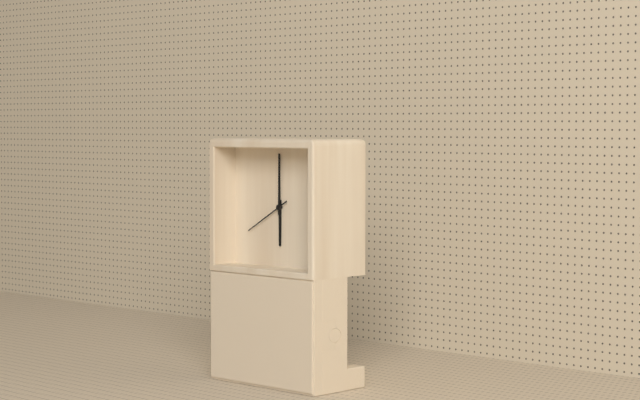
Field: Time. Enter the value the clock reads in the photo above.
6:00
